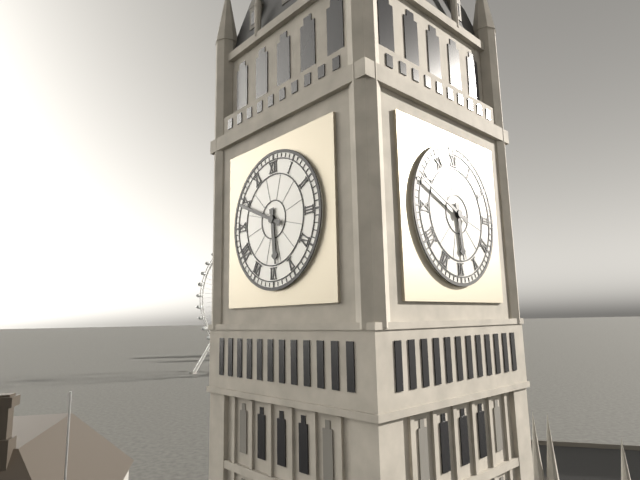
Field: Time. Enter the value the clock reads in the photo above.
5:49
